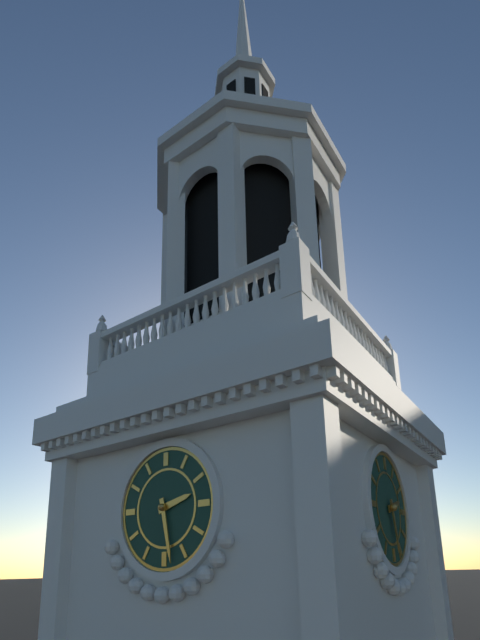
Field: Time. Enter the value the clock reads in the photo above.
2:28
